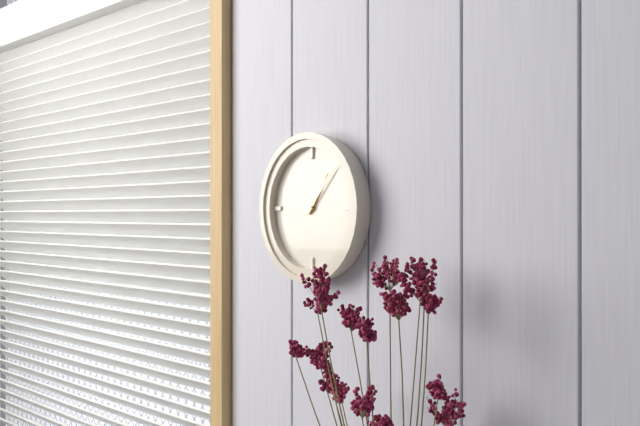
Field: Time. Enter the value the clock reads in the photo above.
1:07
